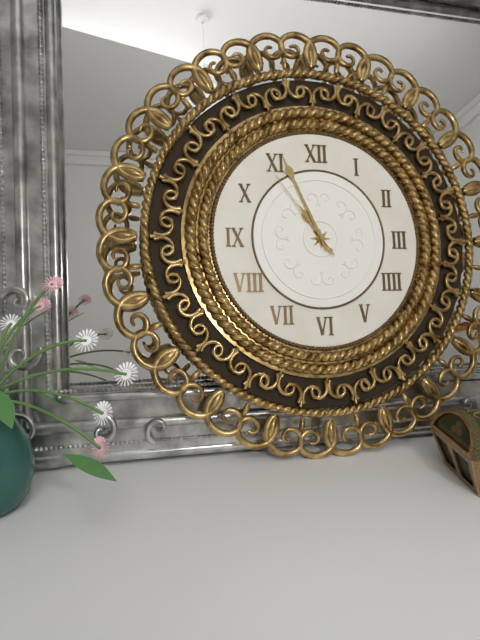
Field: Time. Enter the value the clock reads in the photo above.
10:56:54
